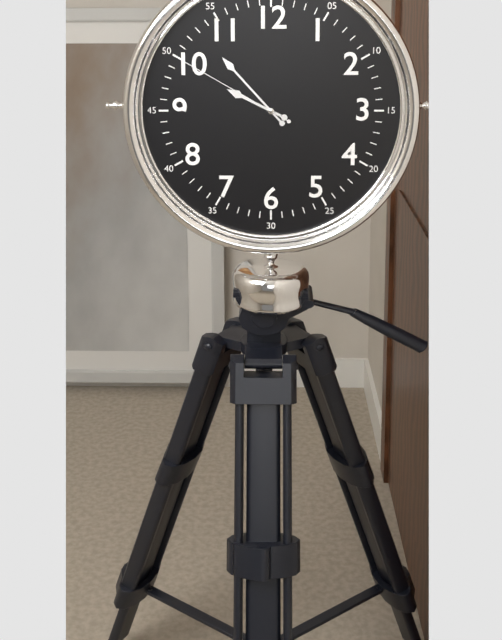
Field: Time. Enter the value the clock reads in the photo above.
9:53:50
